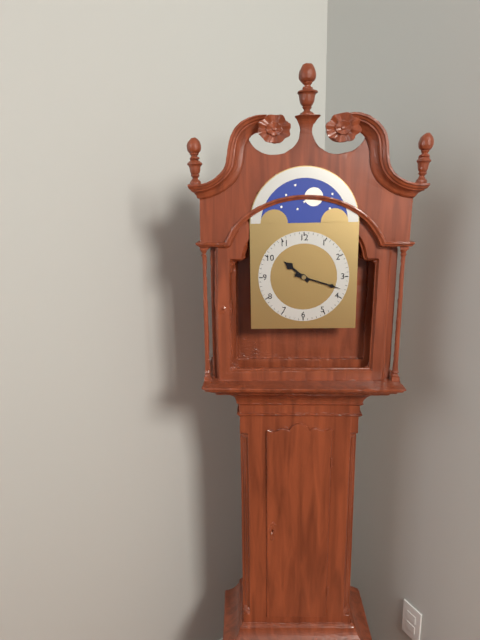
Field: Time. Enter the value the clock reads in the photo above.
10:18
